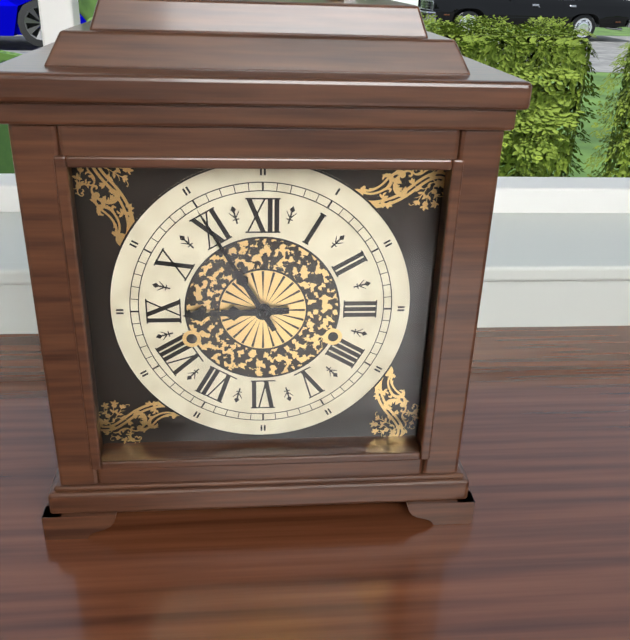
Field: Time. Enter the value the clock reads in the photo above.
8:55
